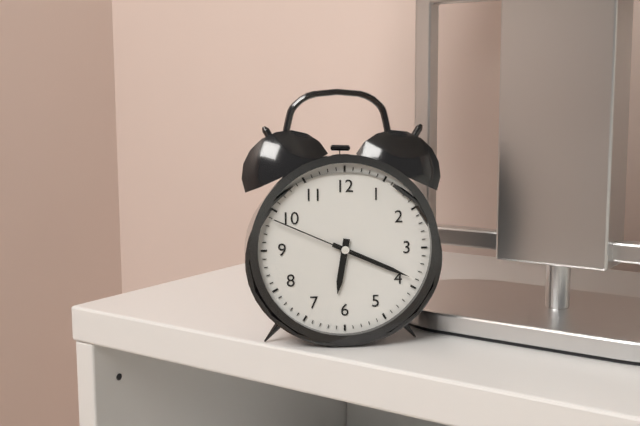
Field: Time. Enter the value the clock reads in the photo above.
6:19:49
